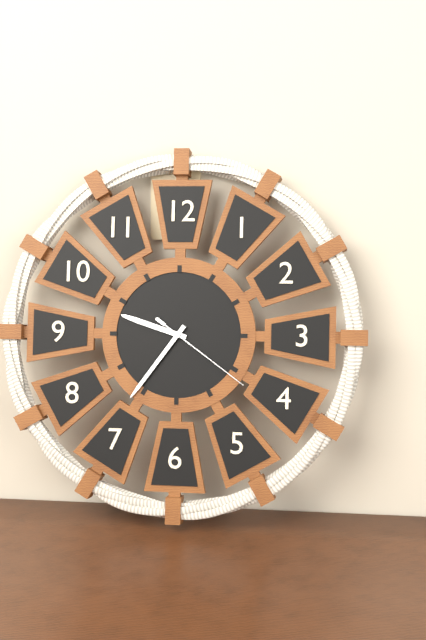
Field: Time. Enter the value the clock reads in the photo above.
9:36:21
